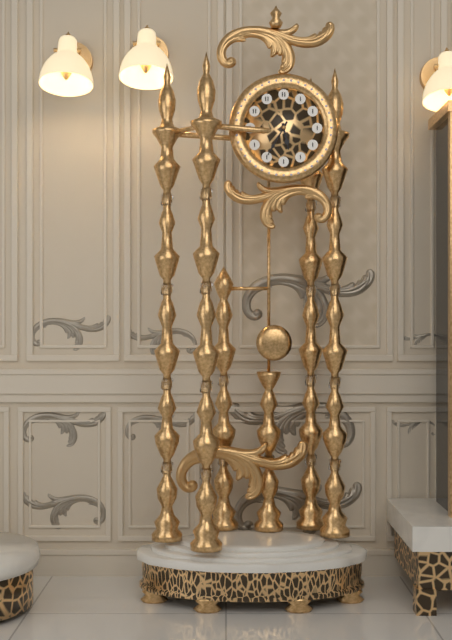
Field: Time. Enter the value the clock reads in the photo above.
5:35
